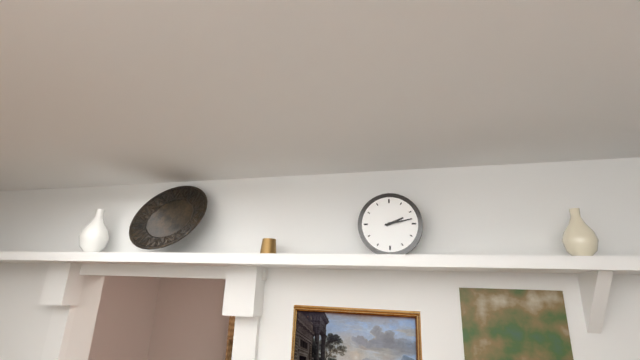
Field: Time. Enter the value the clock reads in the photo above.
2:13
